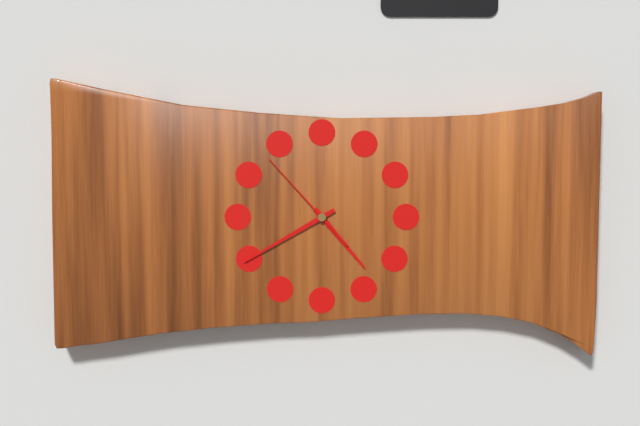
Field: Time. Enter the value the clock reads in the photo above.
4:40:53
